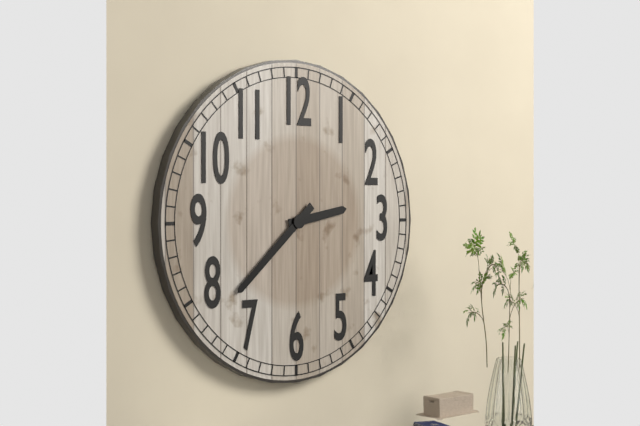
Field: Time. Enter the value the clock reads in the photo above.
2:38
